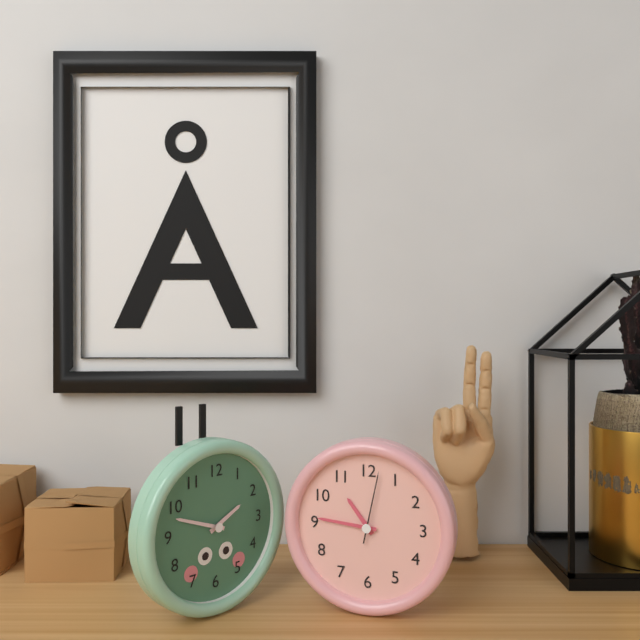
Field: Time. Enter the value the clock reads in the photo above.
10:46:02
